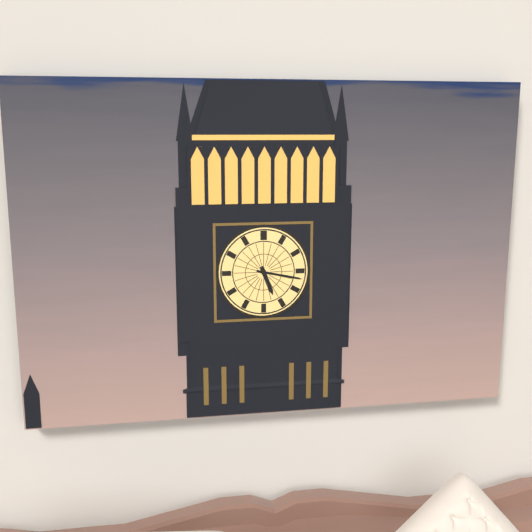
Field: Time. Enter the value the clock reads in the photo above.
5:17
